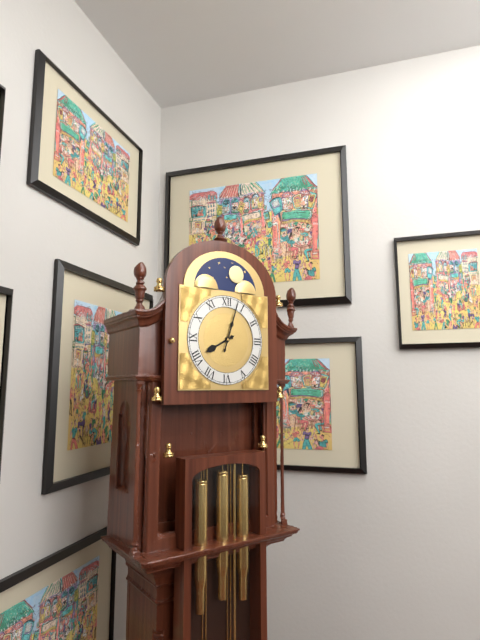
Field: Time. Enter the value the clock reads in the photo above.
8:03
